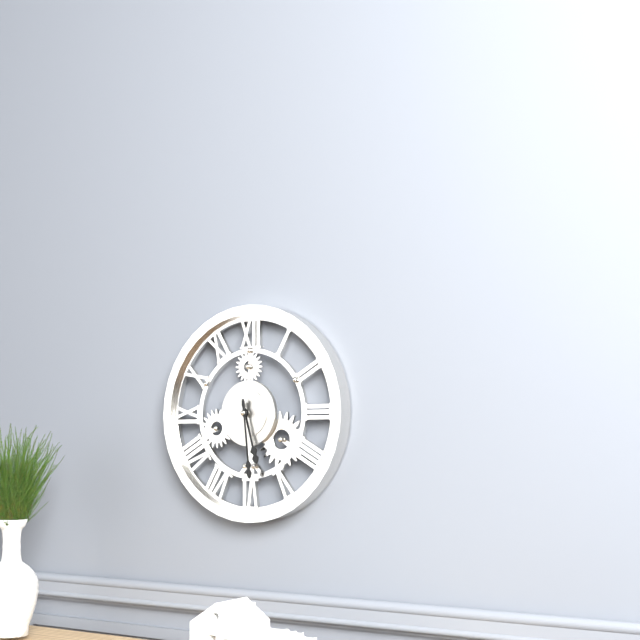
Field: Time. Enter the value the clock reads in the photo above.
5:29
